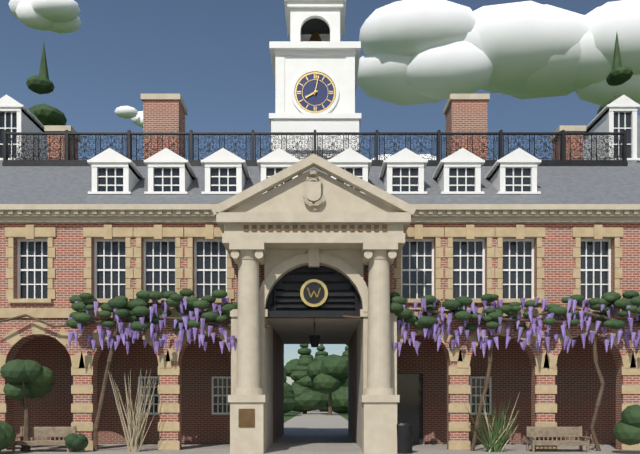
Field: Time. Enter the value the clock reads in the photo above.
8:02
